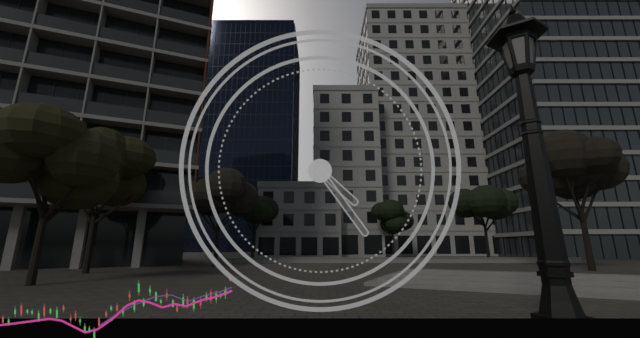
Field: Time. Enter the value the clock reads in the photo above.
4:24
